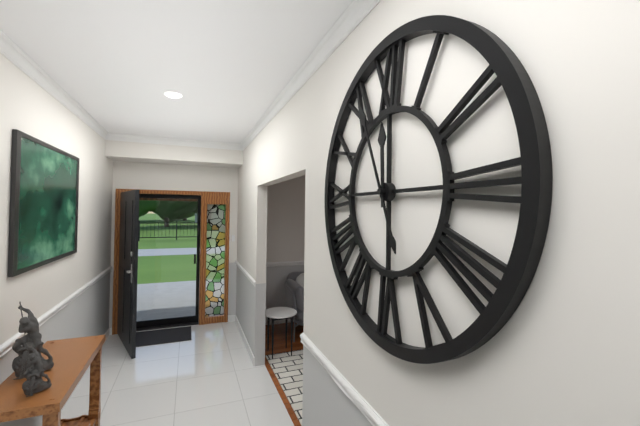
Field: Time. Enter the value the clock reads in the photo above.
11:56
